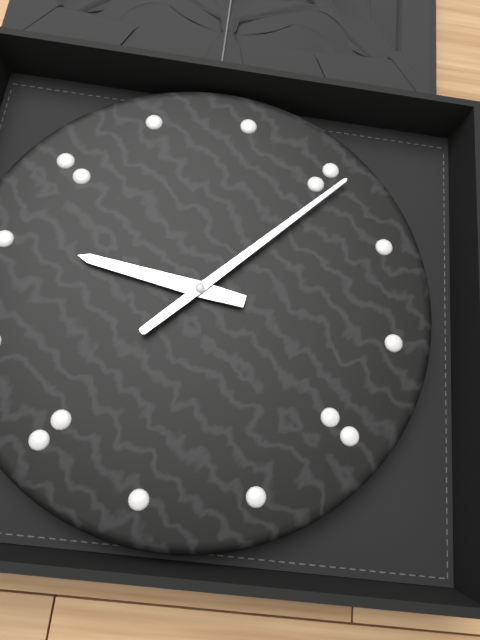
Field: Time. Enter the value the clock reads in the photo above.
8:01
